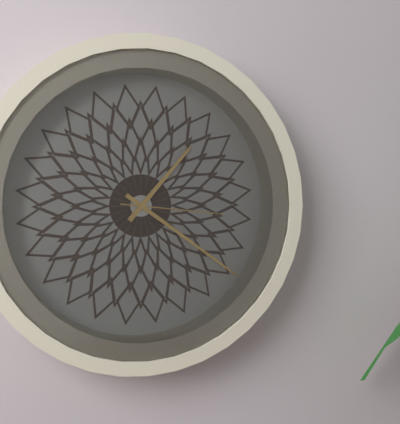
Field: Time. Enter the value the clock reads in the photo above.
1:21:16
